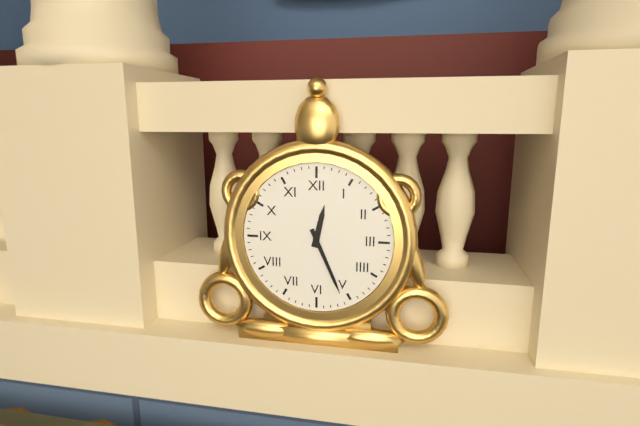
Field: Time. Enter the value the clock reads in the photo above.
12:26
